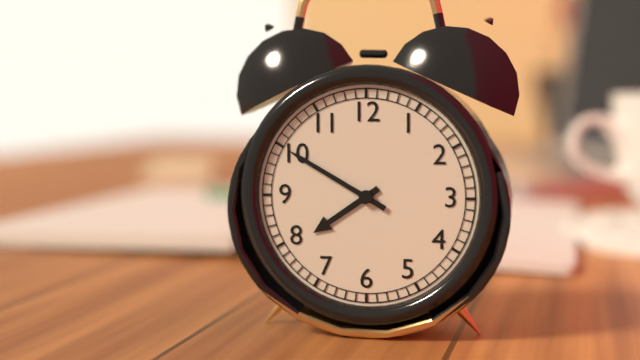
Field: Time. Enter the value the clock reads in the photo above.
7:50
